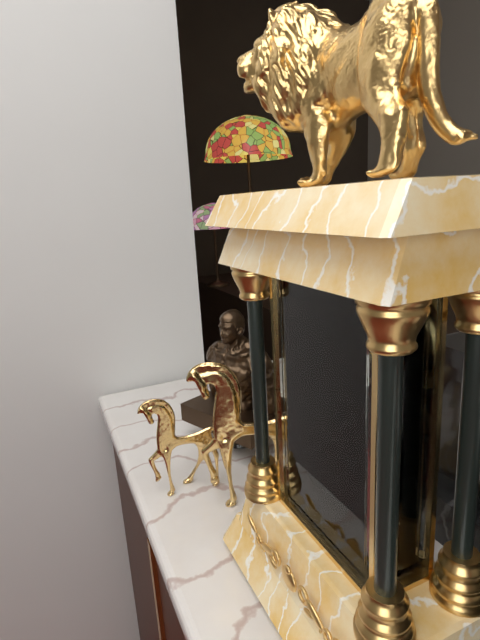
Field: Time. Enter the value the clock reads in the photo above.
2:55
